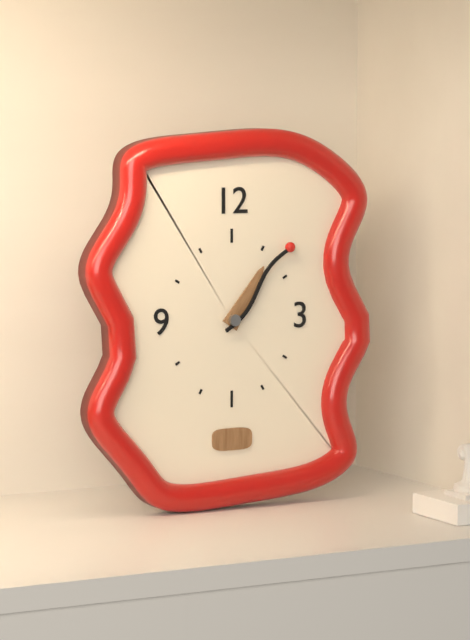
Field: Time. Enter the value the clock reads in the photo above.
1:07
